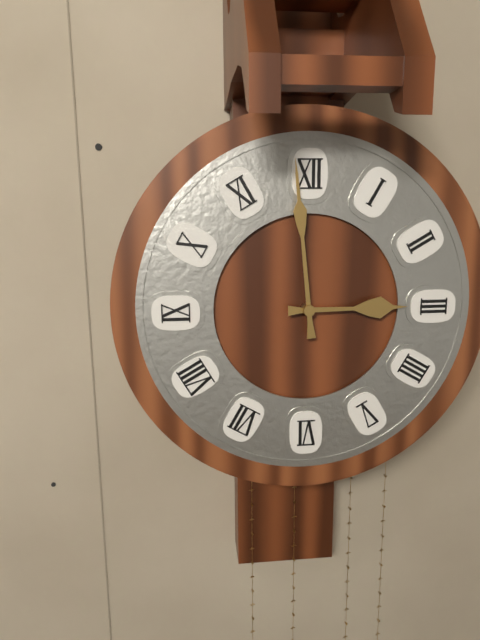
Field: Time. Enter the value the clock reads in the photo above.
2:59
